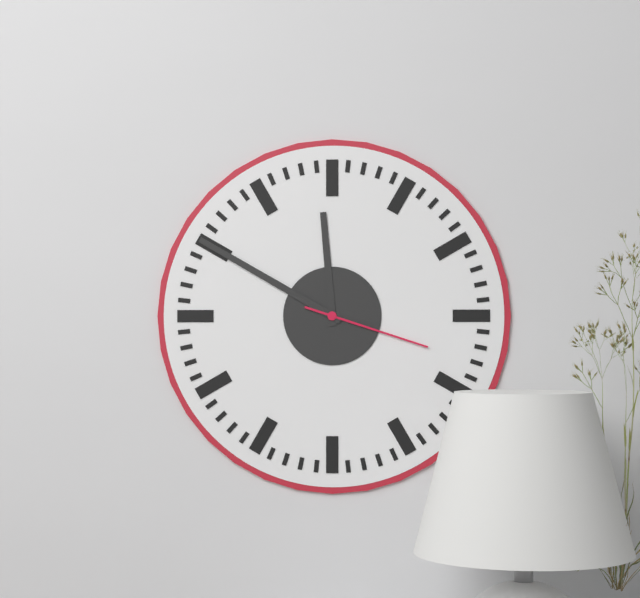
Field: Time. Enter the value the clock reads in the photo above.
11:50:18
